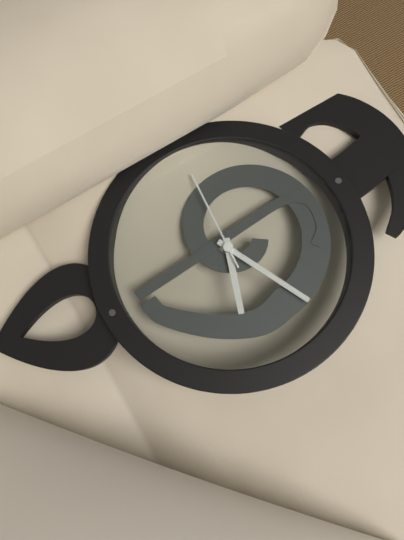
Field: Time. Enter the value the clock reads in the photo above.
9:41:16
